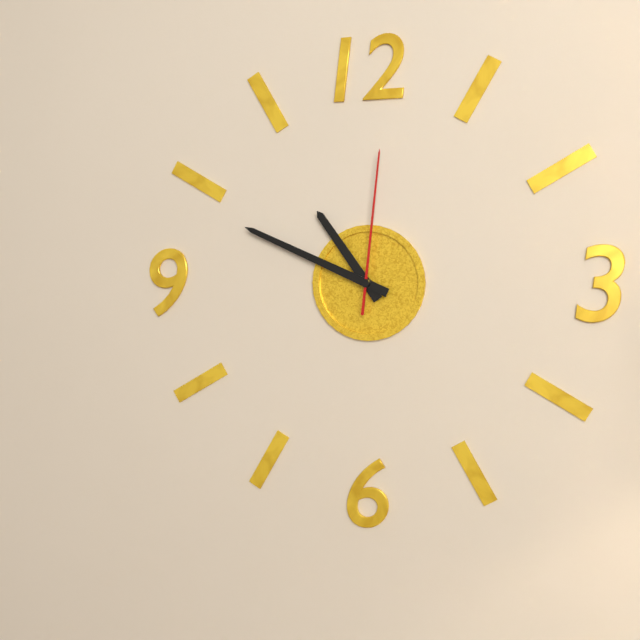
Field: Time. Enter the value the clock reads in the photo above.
10:49:01
